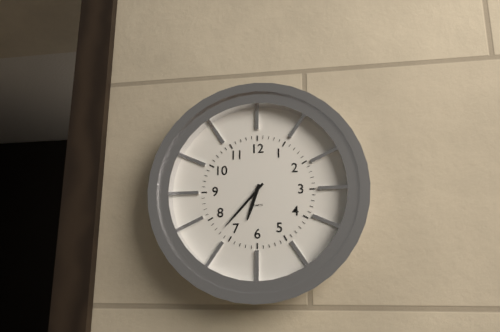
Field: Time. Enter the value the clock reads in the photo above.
6:37
